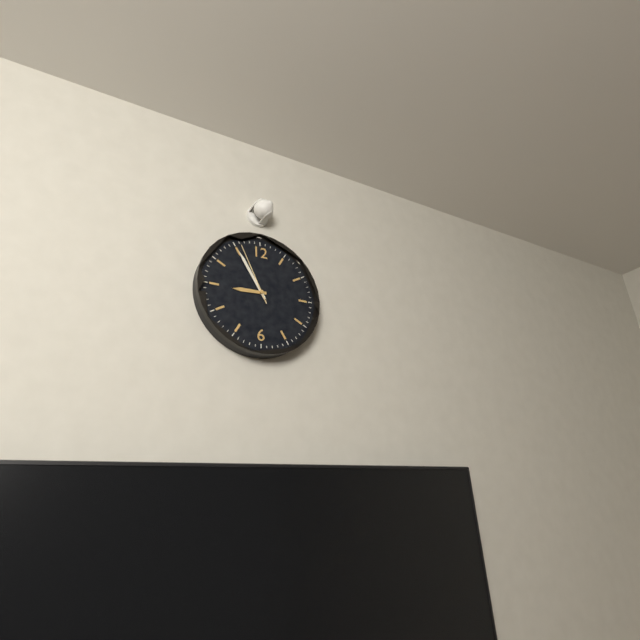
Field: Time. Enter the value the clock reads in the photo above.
8:55:56
